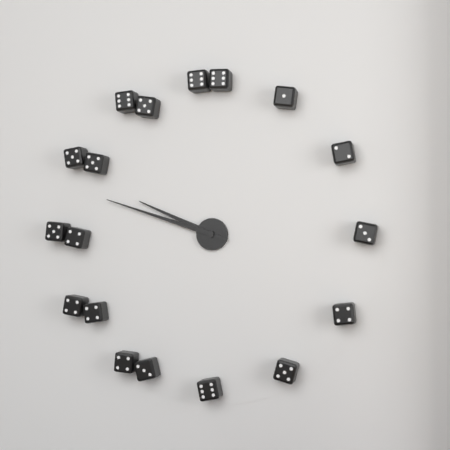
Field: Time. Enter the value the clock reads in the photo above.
9:48
